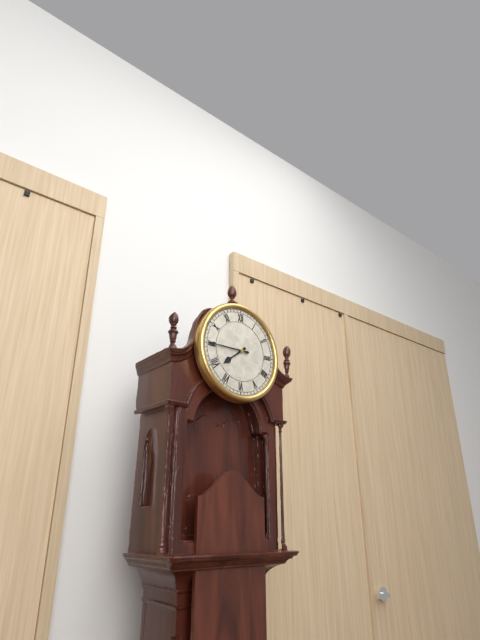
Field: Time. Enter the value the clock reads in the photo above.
7:45
